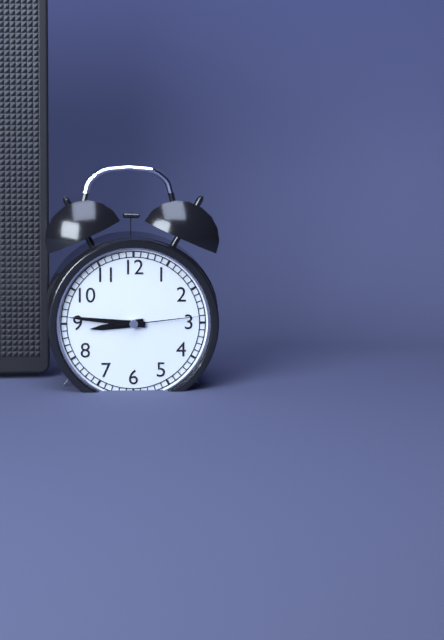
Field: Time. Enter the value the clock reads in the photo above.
8:46:14
